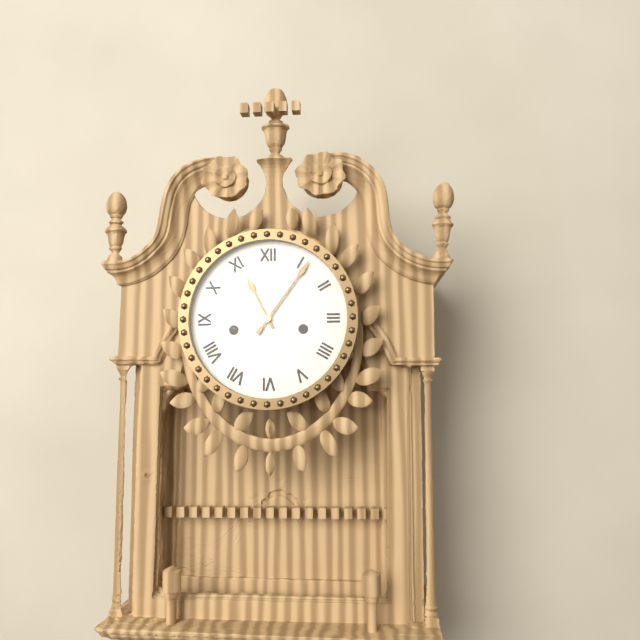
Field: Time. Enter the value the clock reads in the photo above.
11:06
